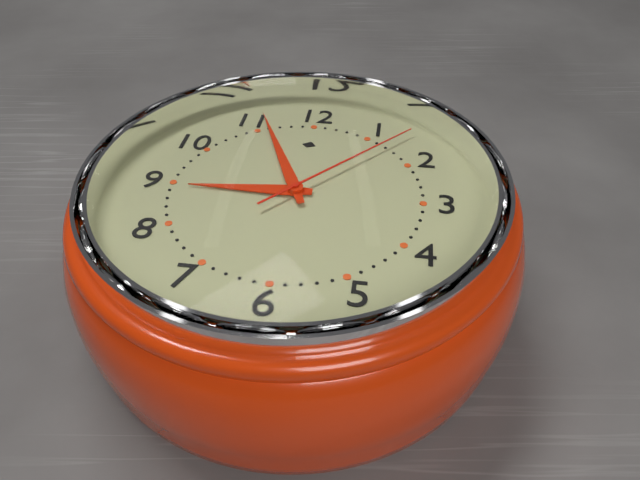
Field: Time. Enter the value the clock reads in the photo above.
8:56:07
